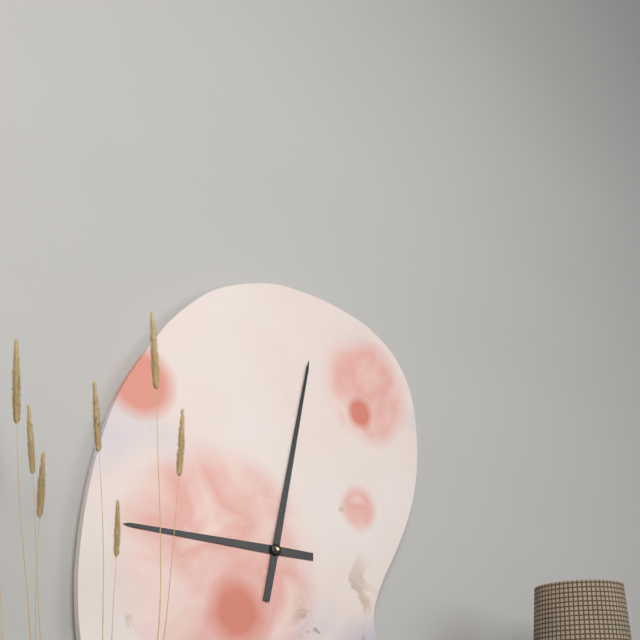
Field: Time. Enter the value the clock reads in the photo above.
9:02
